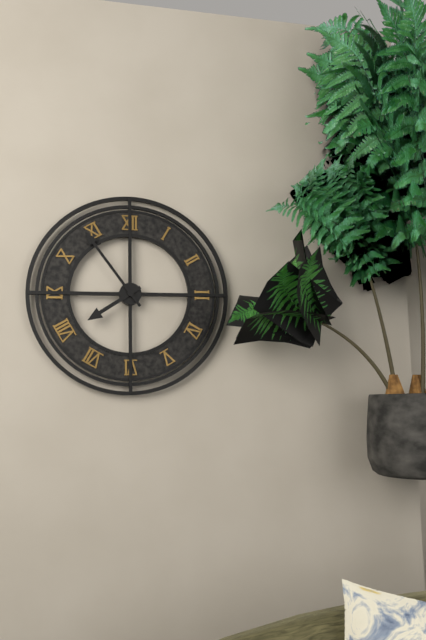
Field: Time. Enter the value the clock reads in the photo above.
7:54
